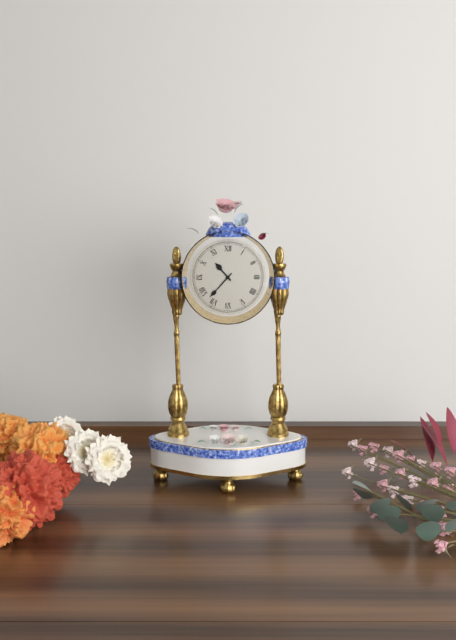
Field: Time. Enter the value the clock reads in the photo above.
10:37
